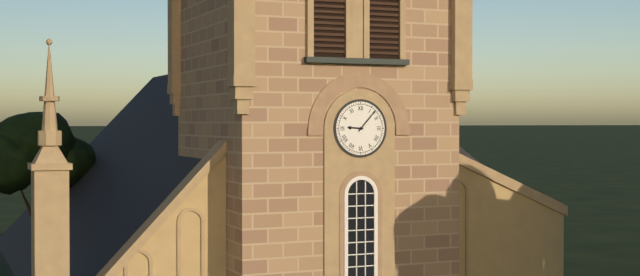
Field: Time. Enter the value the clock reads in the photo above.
9:07
